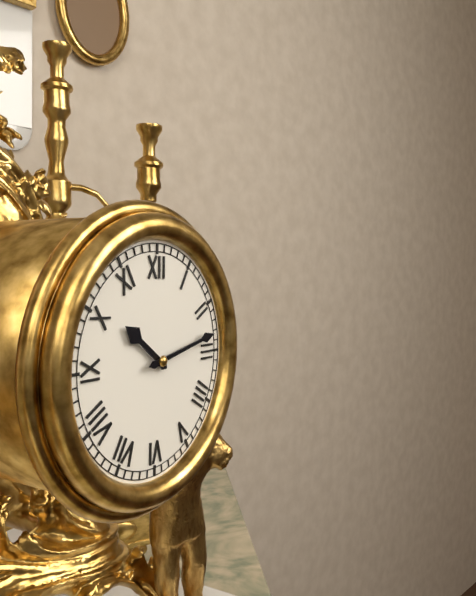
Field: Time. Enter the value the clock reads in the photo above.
10:13
